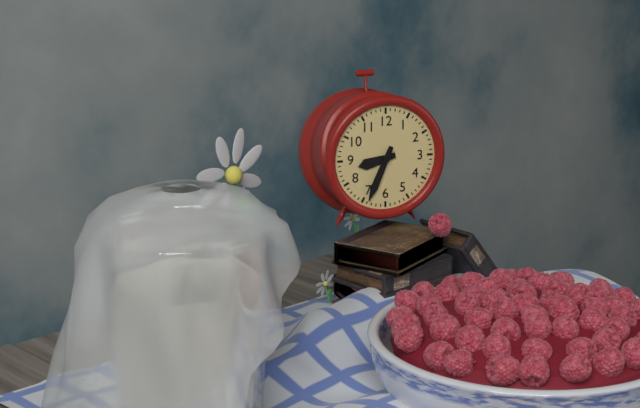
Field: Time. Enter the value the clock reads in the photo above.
8:34
